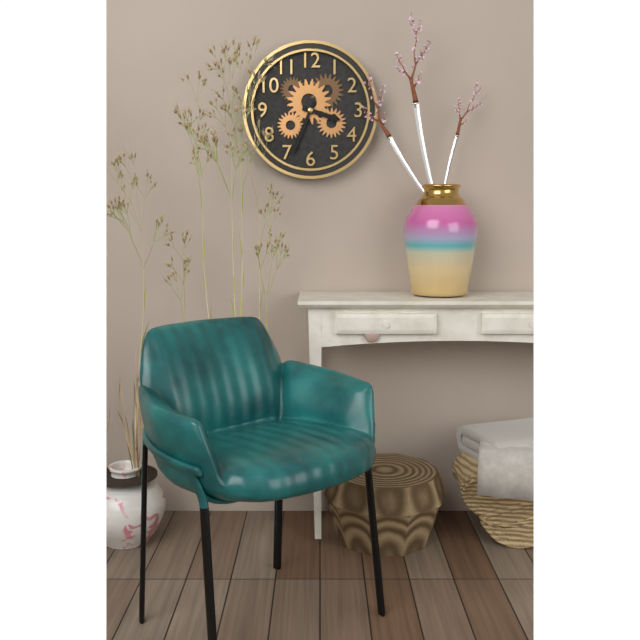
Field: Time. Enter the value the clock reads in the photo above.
3:34
